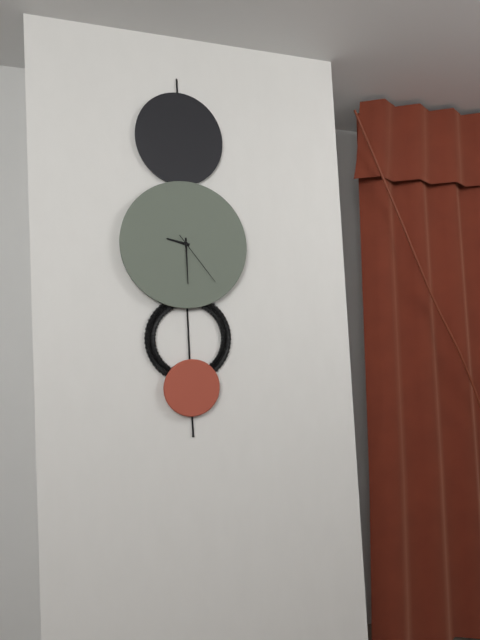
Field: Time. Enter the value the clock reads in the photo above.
9:30:24
